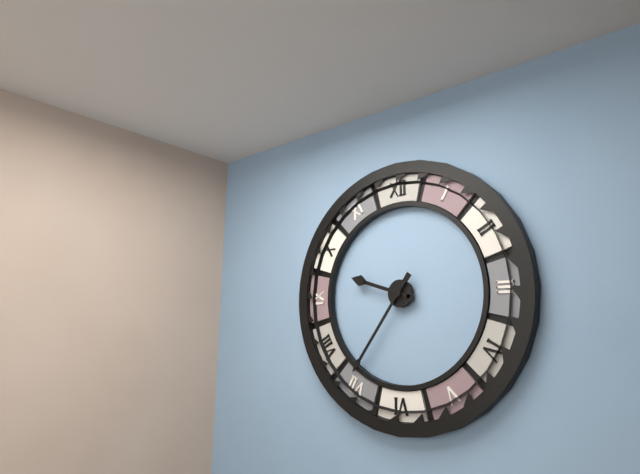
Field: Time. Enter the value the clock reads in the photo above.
9:36
